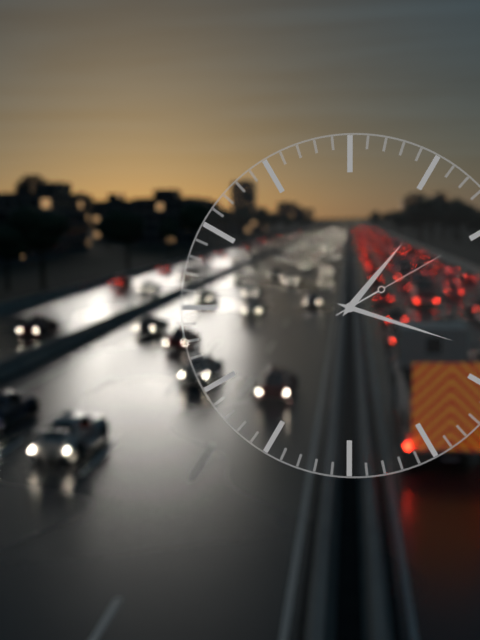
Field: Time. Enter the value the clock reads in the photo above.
1:18:10
